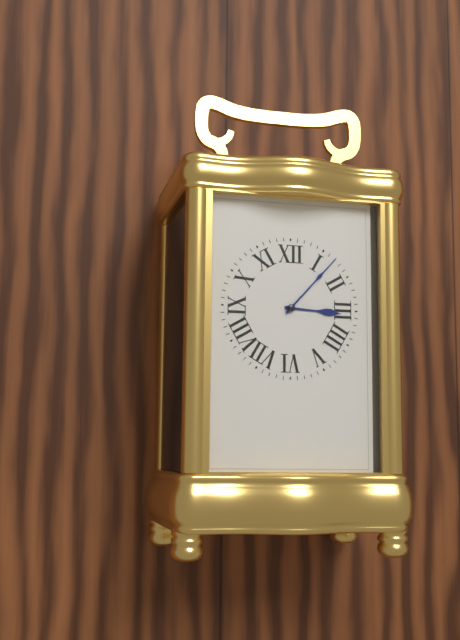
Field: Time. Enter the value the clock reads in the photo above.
3:07
